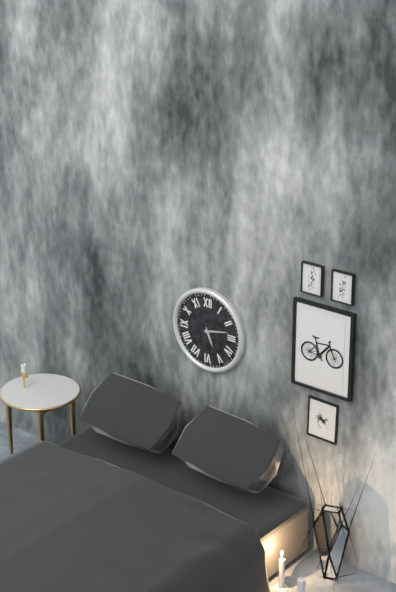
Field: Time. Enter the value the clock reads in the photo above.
5:13
